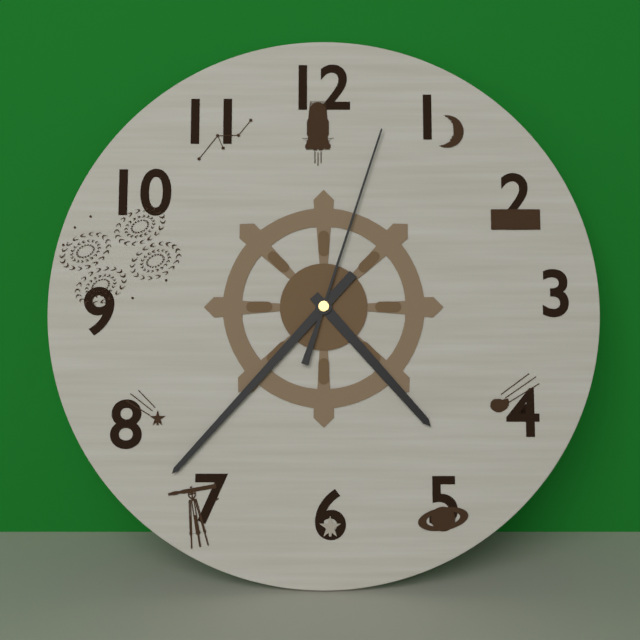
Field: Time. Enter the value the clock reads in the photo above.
4:37:03
